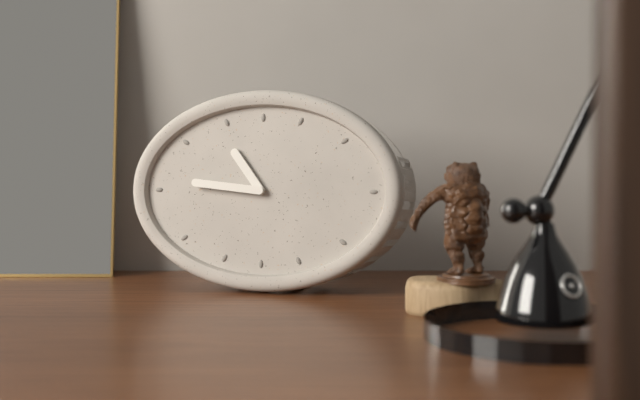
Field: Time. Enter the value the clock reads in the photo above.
10:46
